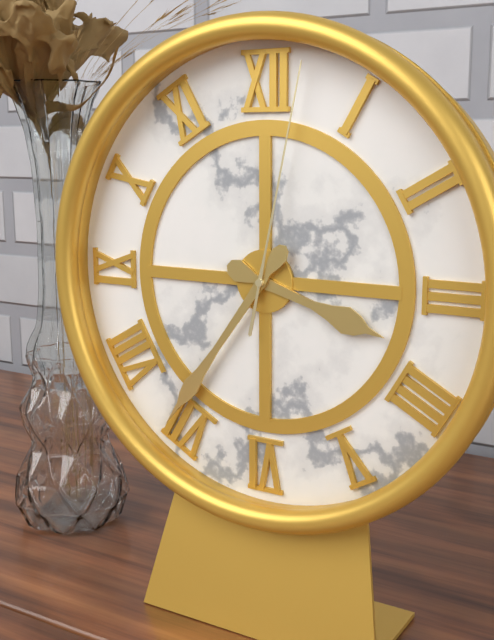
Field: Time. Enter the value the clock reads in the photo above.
3:36:02
